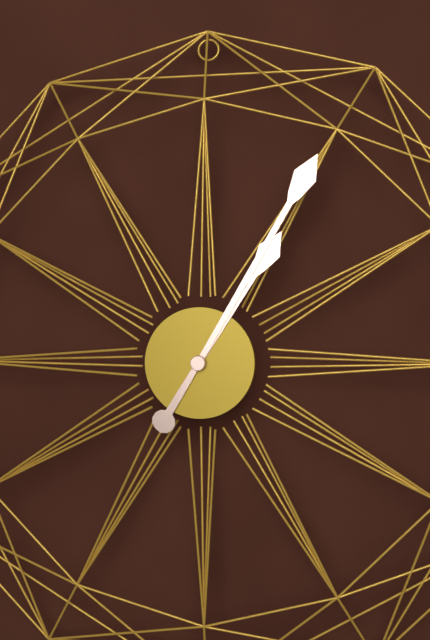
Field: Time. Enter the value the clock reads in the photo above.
1:05
